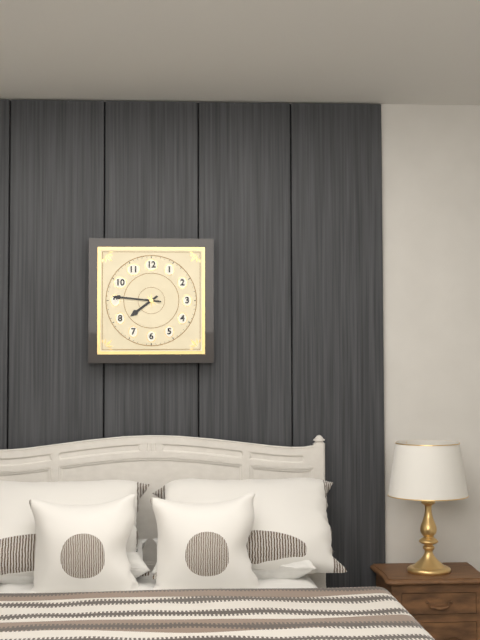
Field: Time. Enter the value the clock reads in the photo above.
7:46
